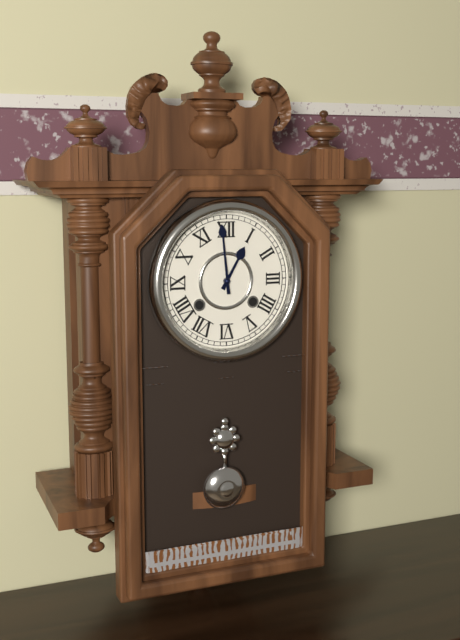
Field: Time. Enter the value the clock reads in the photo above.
12:59
